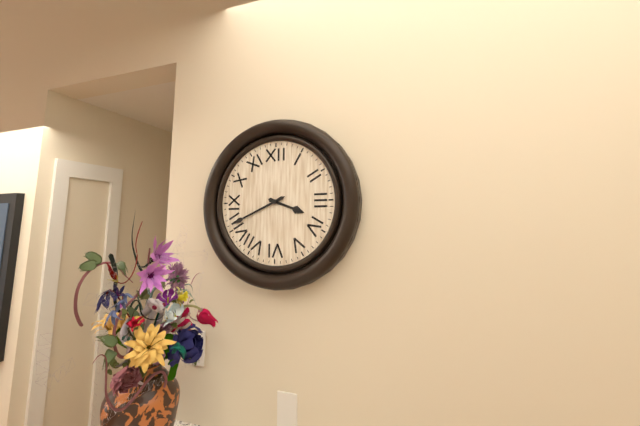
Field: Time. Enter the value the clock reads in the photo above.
3:41
